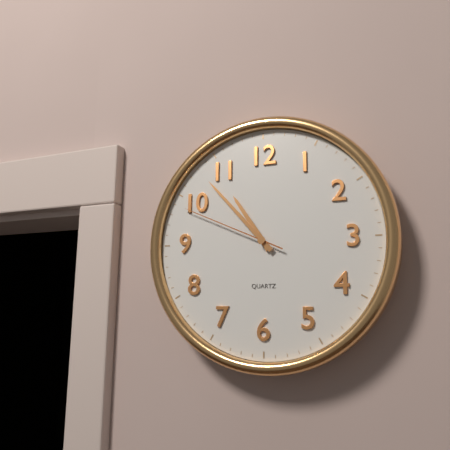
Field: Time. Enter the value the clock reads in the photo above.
10:53:49
